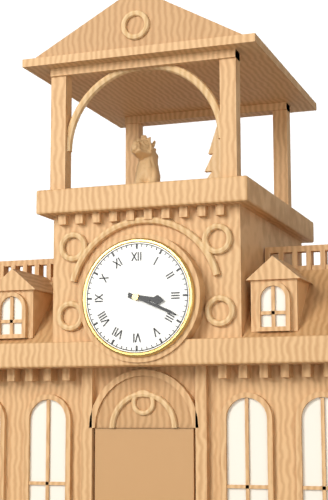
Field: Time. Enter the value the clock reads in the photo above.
3:19
